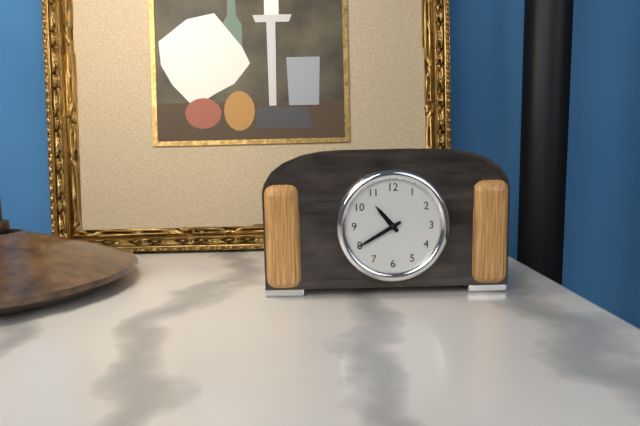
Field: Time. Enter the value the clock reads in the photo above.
10:40
